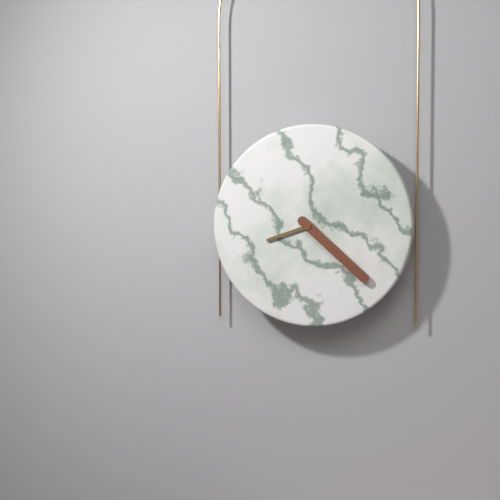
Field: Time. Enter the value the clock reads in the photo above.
8:22
